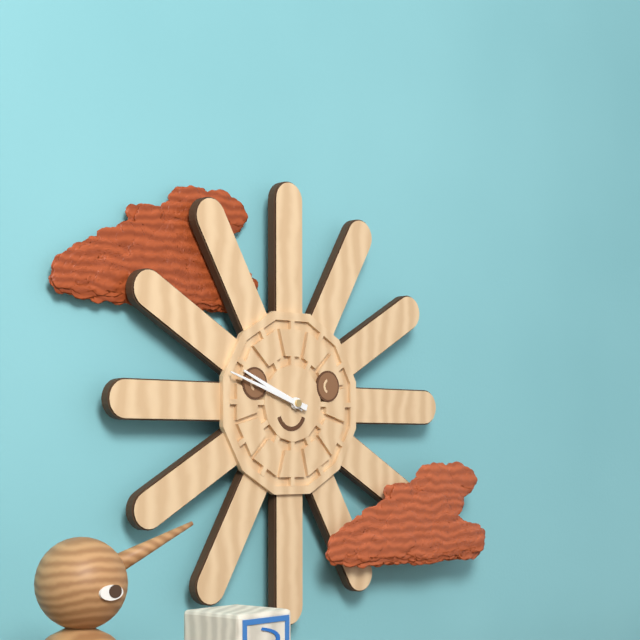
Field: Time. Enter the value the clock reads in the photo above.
9:48
